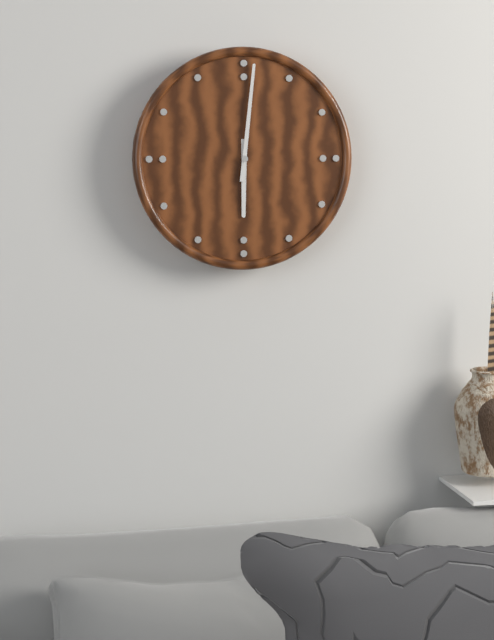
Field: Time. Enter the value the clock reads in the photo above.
6:01
